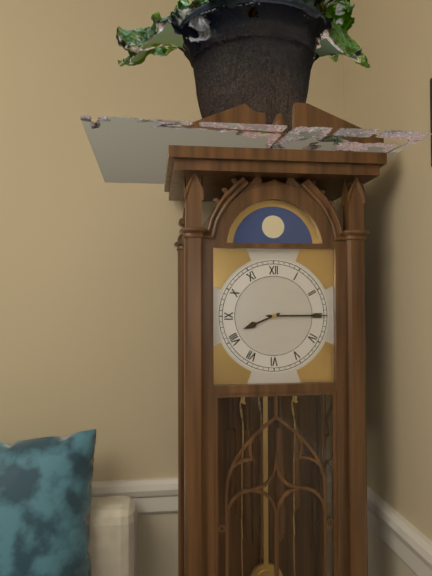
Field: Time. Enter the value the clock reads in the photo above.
8:15
